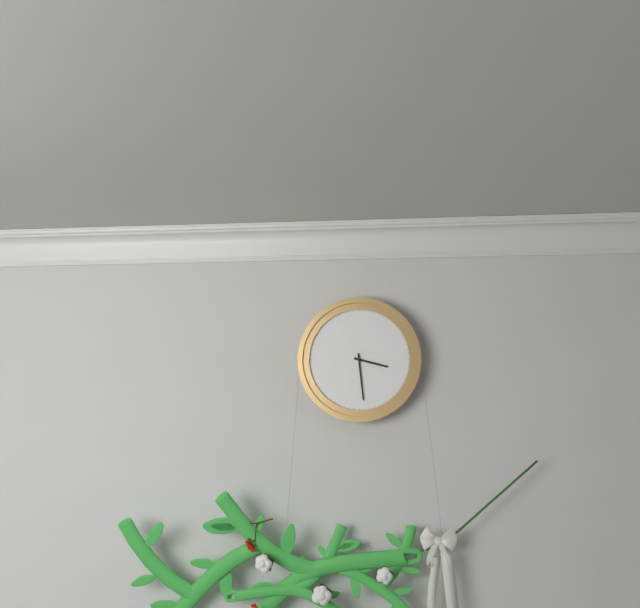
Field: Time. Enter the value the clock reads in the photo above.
3:29
